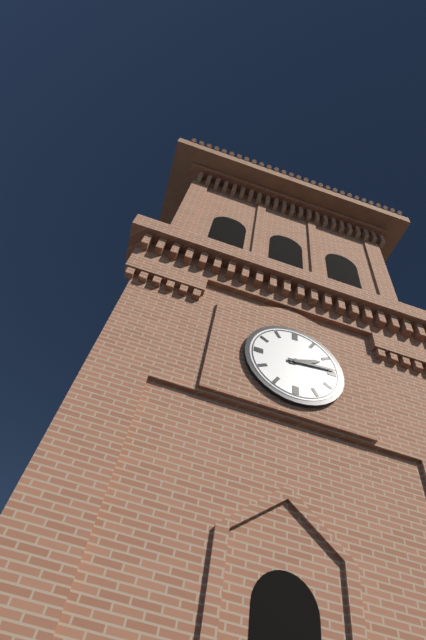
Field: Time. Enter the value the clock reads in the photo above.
2:14
